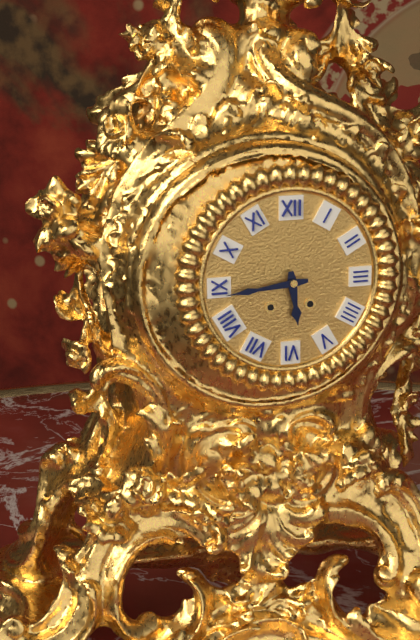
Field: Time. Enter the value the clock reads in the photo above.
5:44
